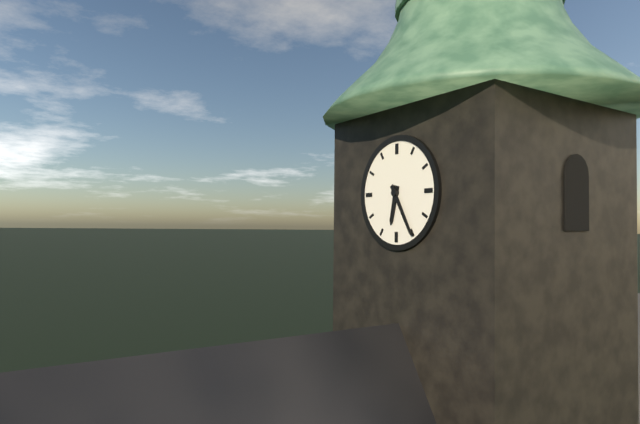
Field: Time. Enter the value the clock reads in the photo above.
6:25
